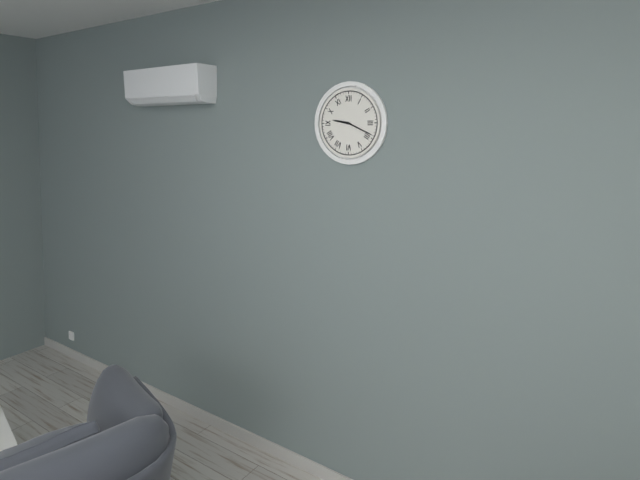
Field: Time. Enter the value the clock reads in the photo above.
9:19
